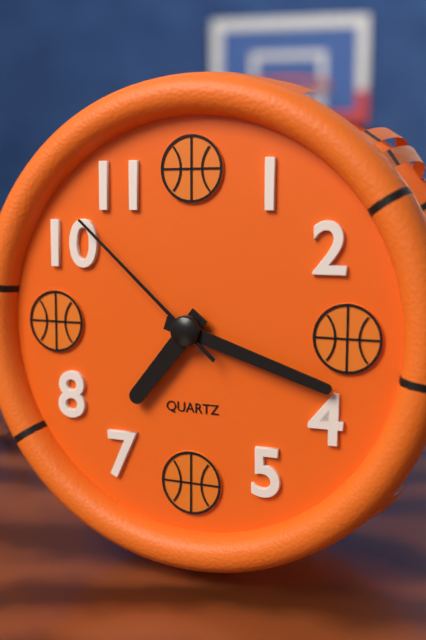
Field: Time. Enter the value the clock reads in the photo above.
7:18:52
